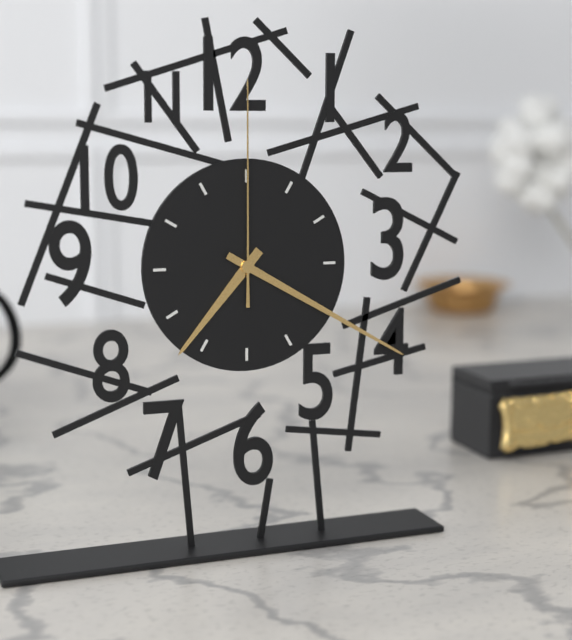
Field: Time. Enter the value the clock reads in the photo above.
7:20:00
